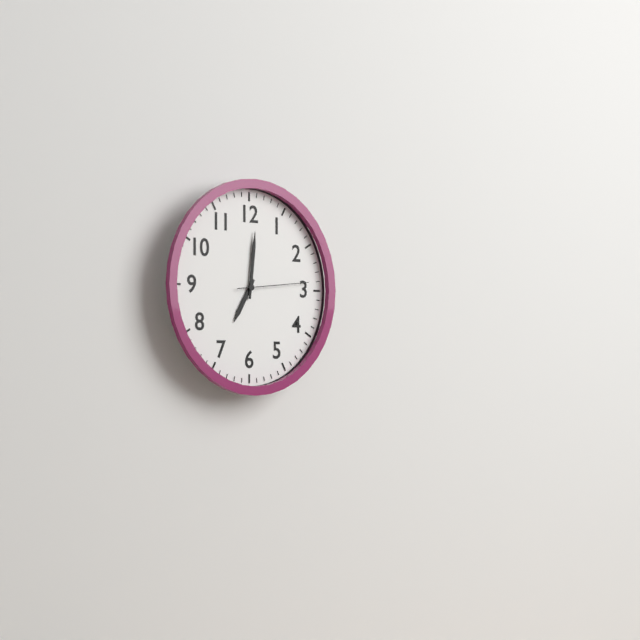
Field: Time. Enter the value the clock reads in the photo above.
7:01:14
